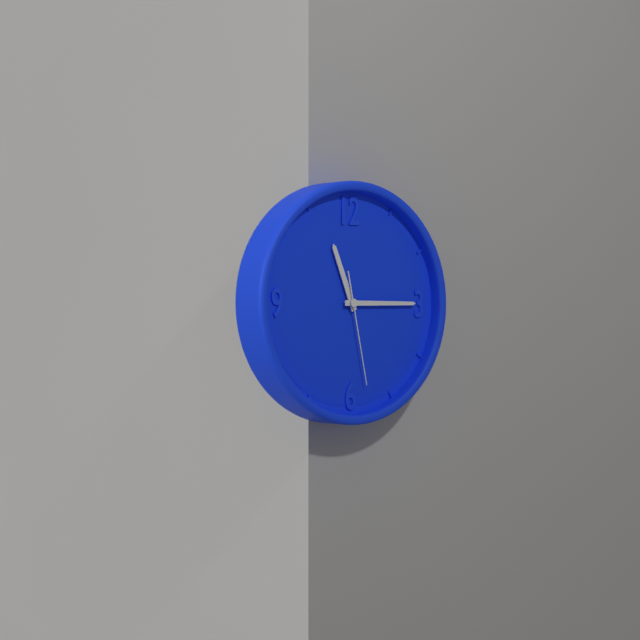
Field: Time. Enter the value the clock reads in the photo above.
11:15:28
